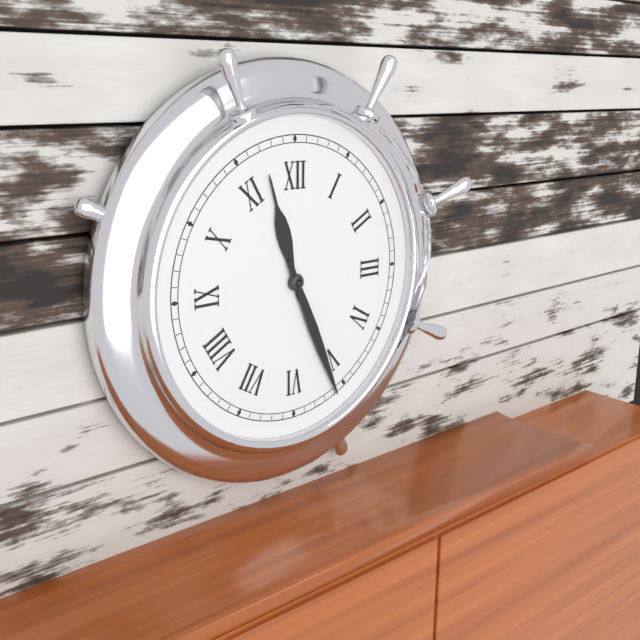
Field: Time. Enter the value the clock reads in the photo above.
11:26
